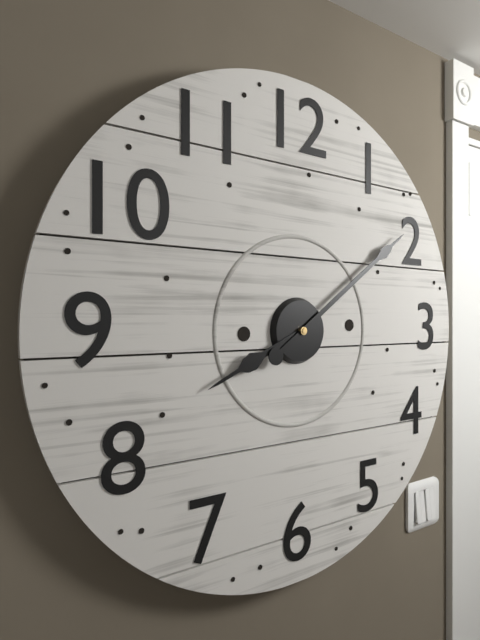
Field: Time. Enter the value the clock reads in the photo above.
8:09
